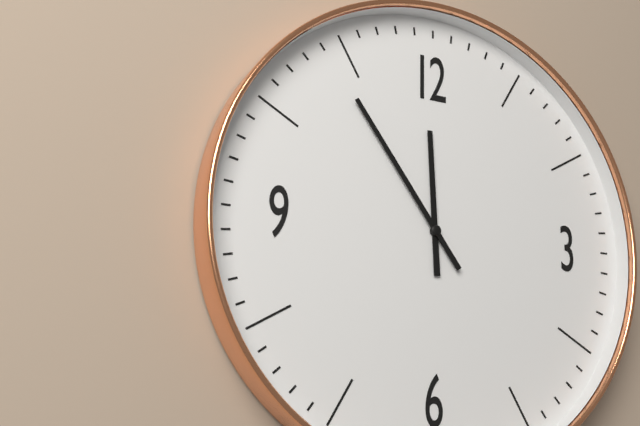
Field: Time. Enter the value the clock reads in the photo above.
11:54
